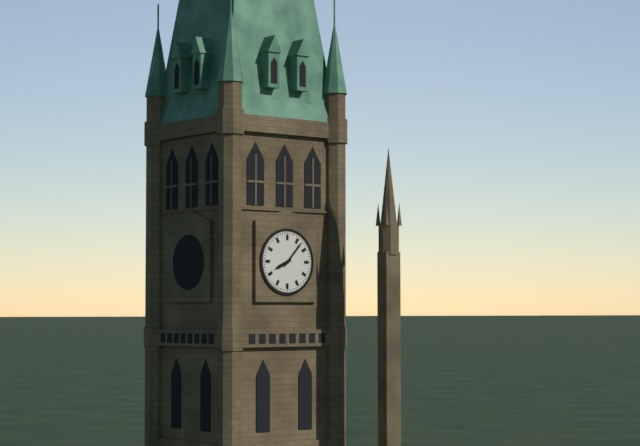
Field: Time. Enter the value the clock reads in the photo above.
8:07
